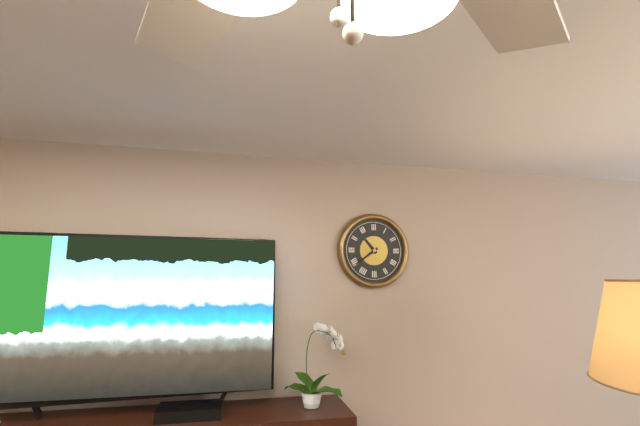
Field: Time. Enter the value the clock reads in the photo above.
10:39
